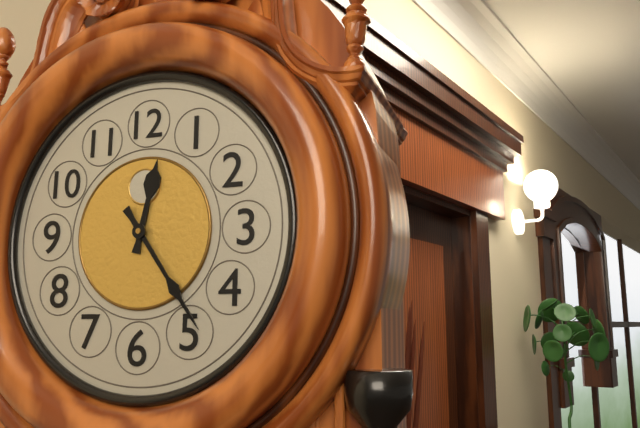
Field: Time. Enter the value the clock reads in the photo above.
12:24
